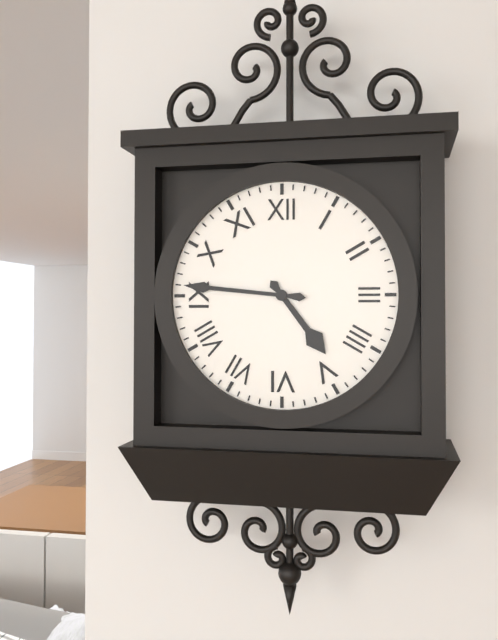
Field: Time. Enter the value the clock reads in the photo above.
4:46
